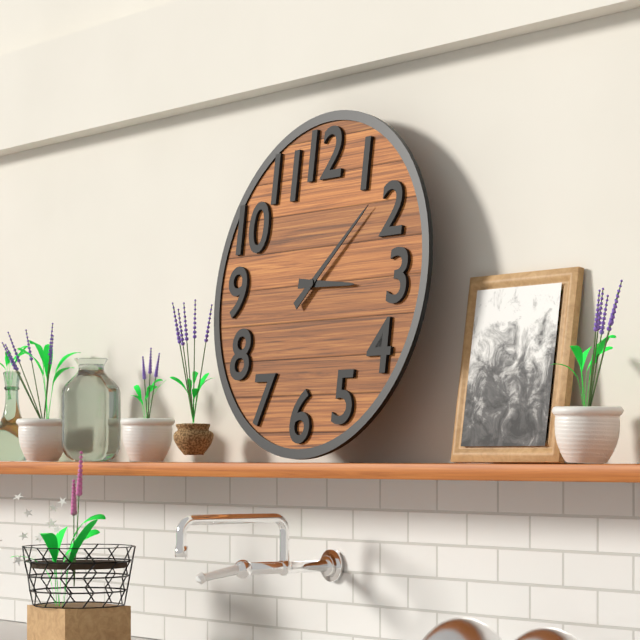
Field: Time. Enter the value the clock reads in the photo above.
3:08
